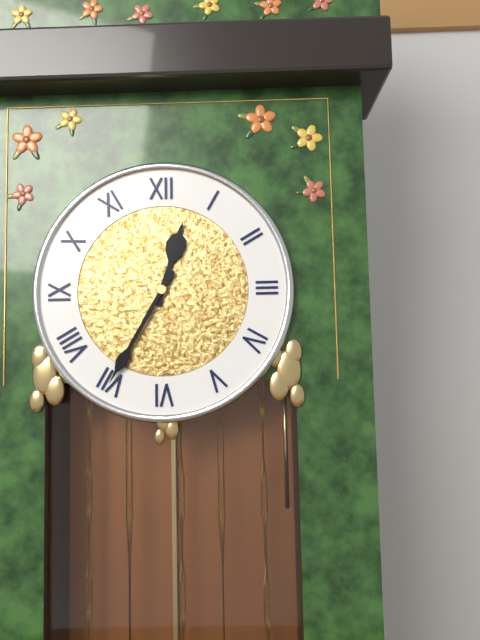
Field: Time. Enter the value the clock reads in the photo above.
12:35
